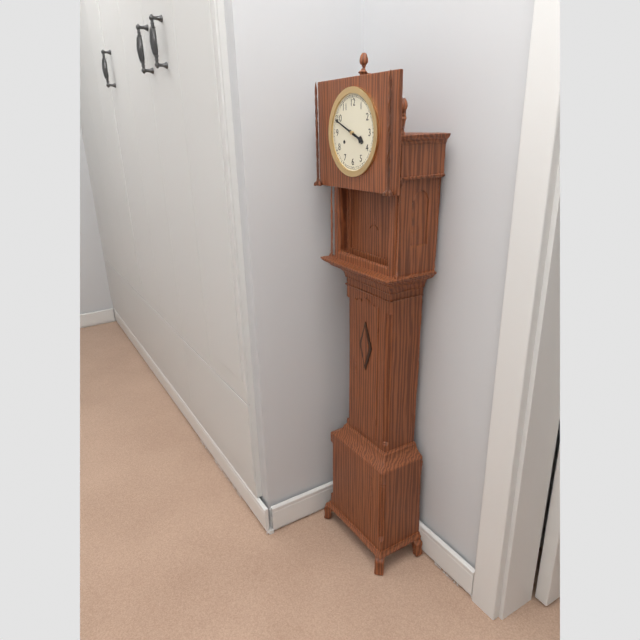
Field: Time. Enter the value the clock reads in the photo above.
3:49
